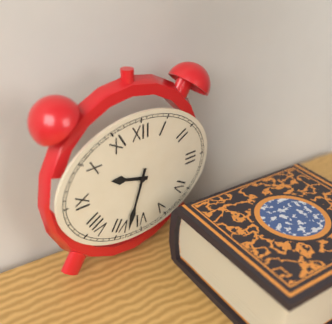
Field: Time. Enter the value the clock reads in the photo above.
9:33
